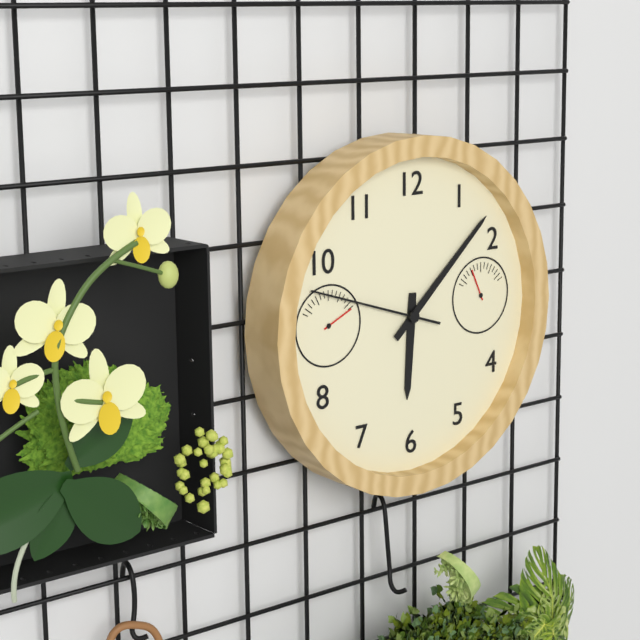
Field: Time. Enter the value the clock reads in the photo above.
6:08:48
